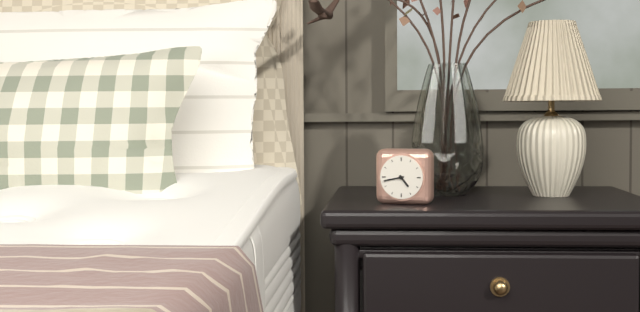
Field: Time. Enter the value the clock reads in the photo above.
4:43
